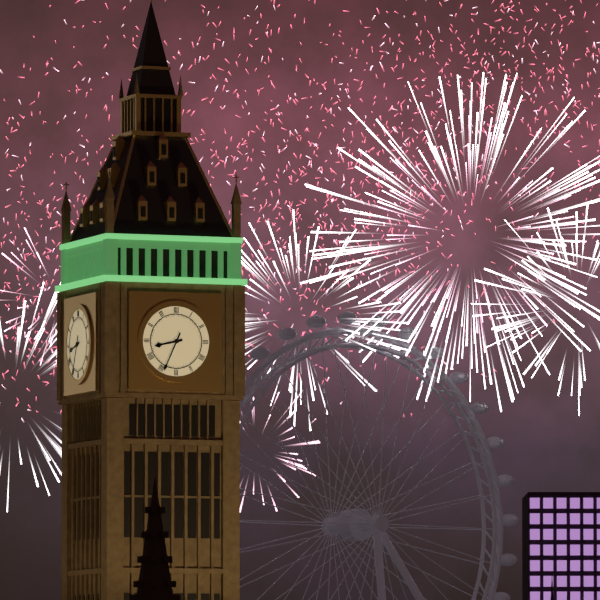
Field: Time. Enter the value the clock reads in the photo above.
8:34
